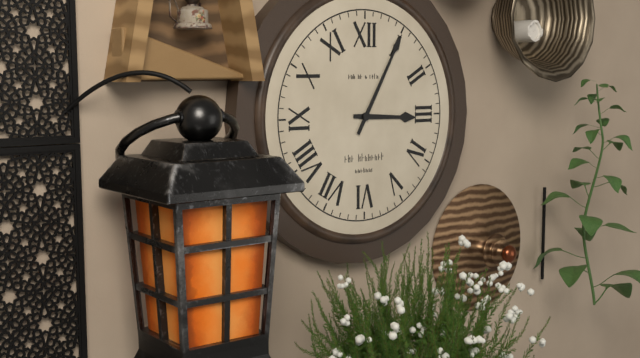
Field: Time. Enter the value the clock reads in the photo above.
3:05
